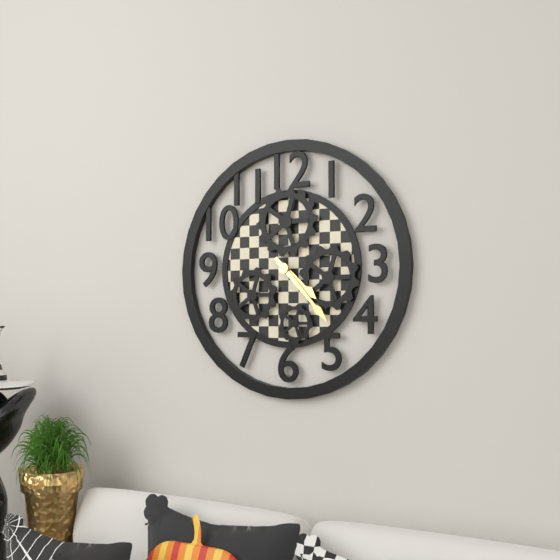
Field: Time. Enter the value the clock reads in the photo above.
4:23
